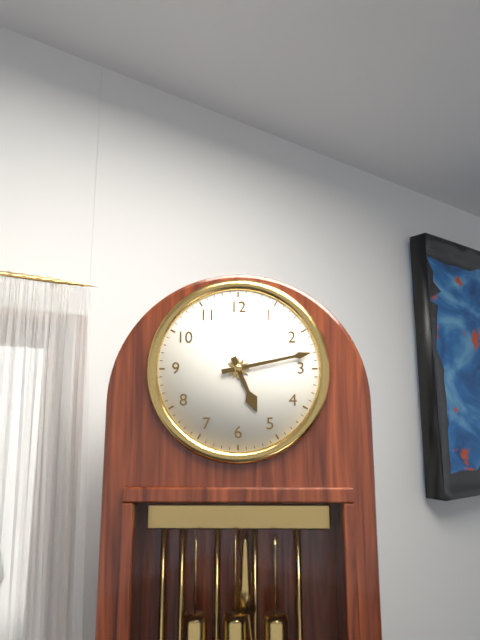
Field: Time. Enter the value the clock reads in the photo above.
5:13
